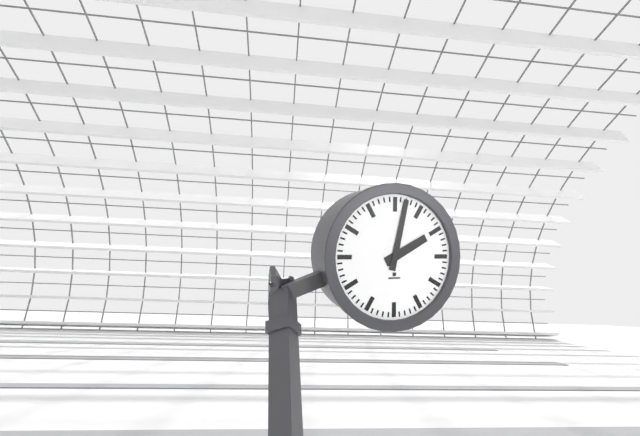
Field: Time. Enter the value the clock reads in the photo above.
2:02
